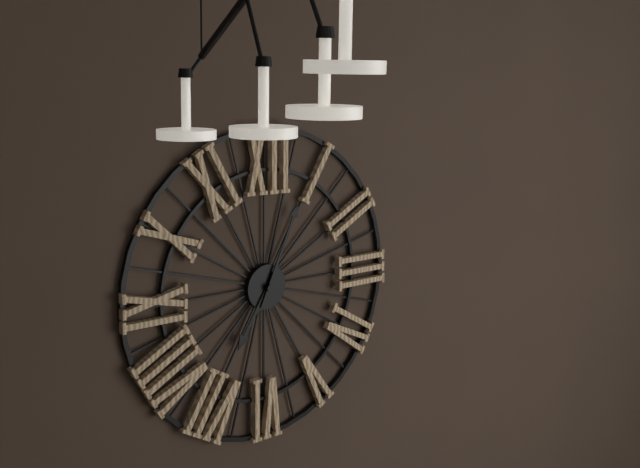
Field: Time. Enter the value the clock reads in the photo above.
7:04
